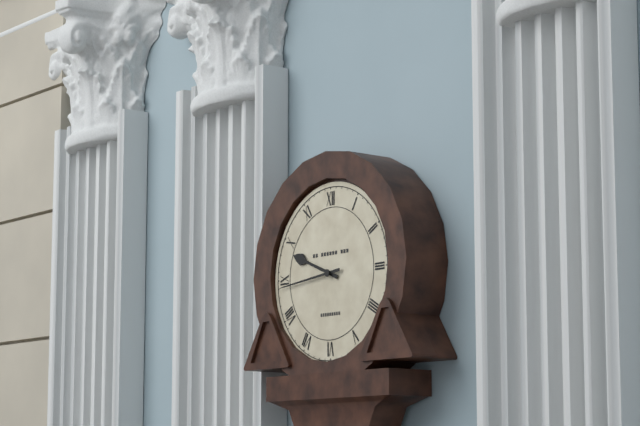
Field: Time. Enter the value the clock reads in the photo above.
9:44
